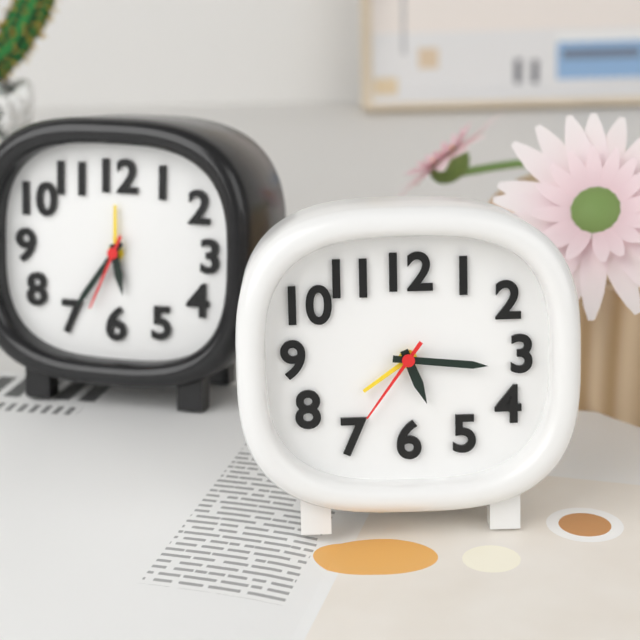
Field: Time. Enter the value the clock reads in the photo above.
5:16:36
